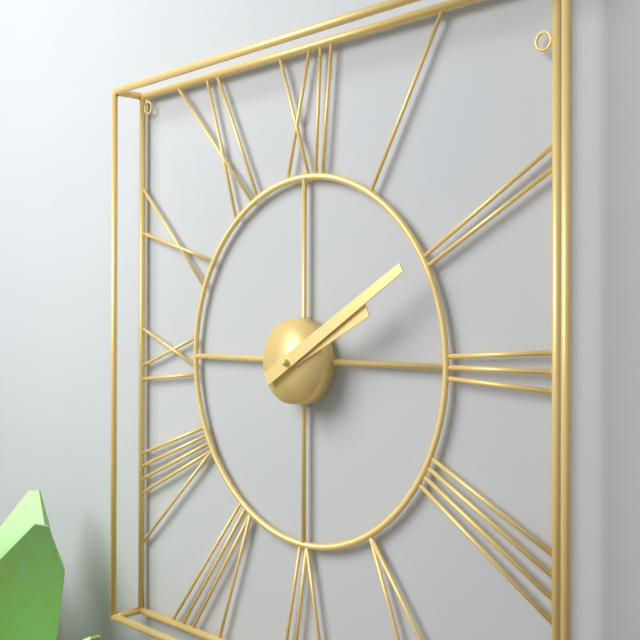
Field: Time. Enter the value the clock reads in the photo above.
2:10
